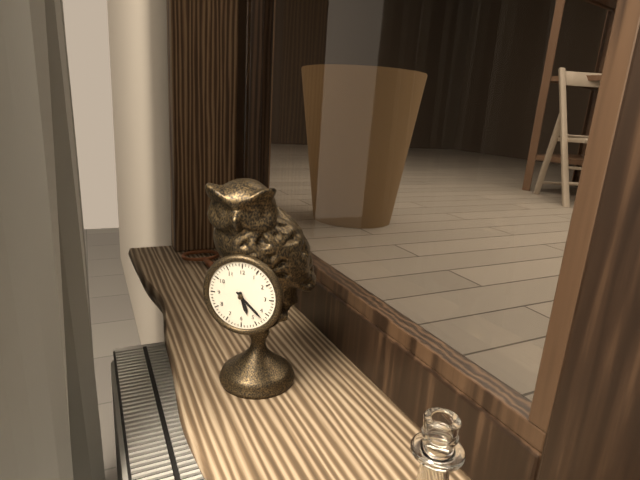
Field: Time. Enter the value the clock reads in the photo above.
5:22
